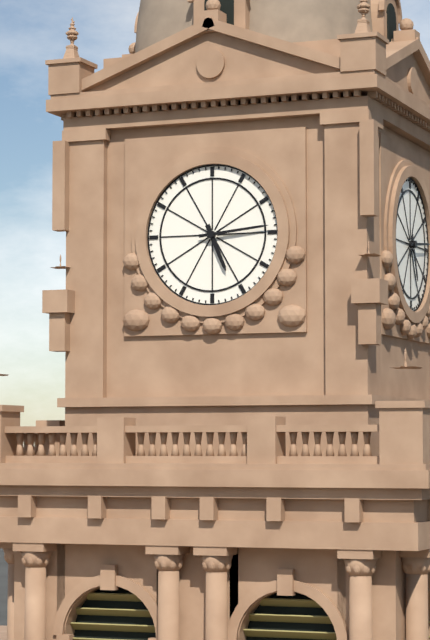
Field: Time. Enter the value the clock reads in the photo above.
5:14
